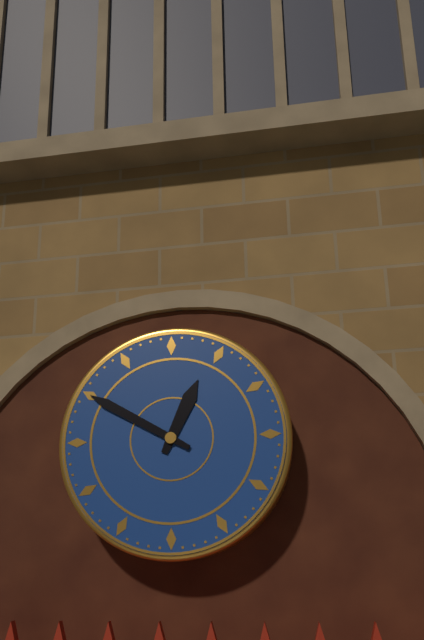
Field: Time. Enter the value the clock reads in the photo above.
12:50
